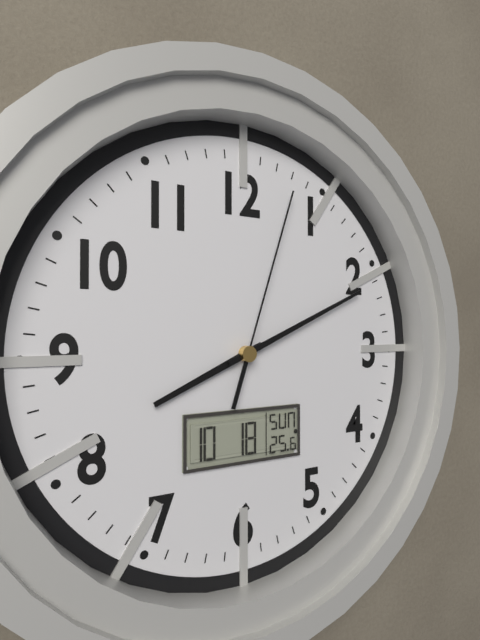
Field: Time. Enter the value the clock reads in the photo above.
8:11:03
